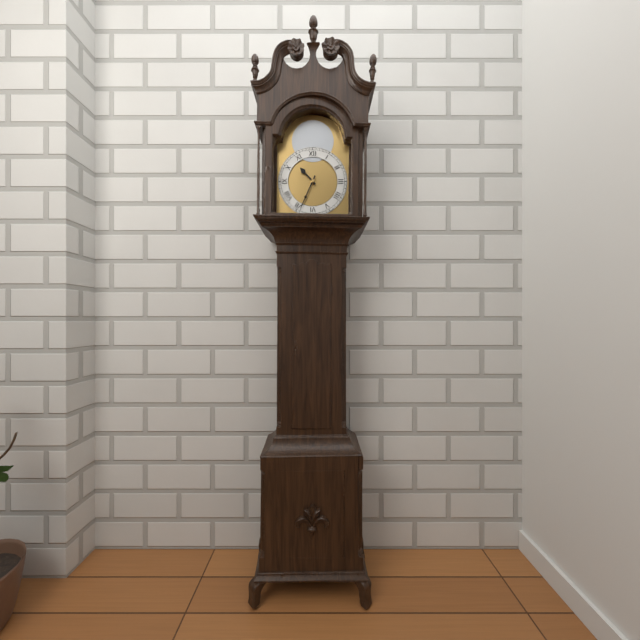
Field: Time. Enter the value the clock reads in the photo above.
10:34
